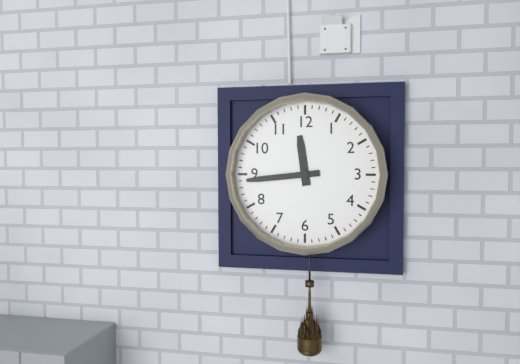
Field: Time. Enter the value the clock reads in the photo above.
11:44
